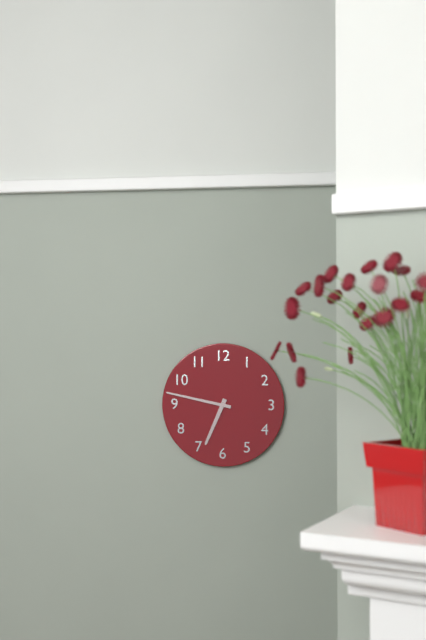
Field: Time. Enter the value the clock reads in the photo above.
6:47
